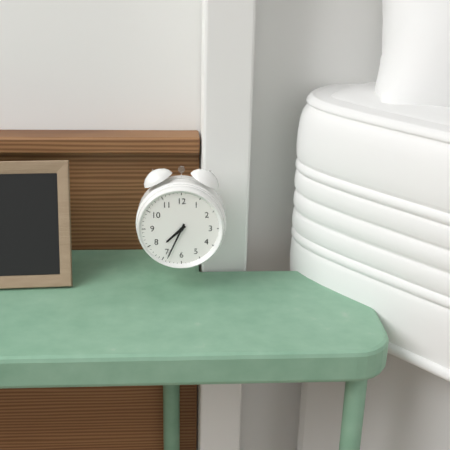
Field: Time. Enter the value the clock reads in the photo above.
7:34
